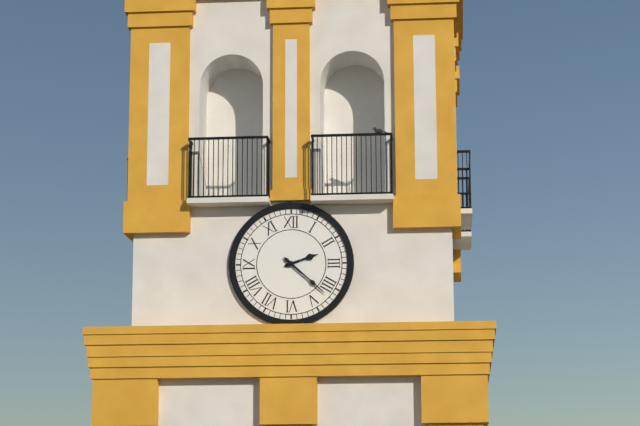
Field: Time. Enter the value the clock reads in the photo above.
2:22
